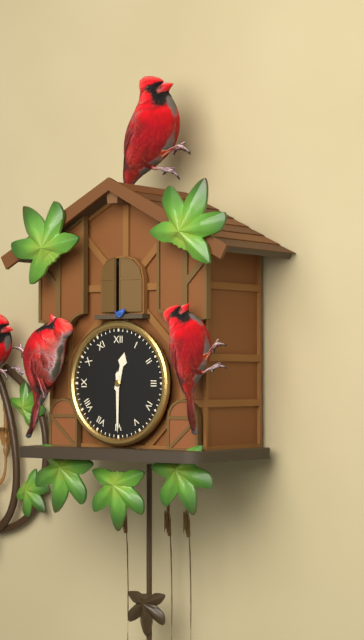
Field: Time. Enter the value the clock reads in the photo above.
12:30
